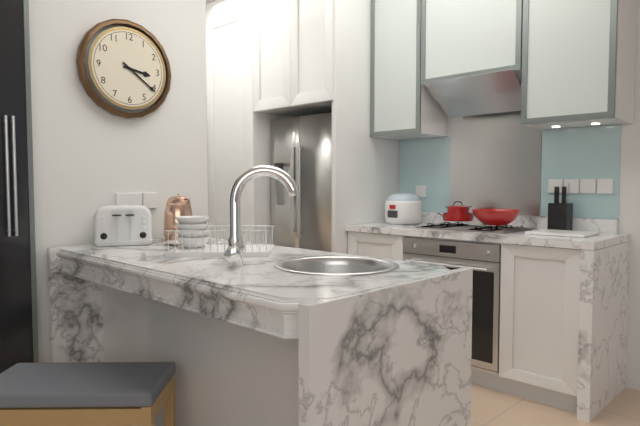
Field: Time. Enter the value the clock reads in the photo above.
3:21
